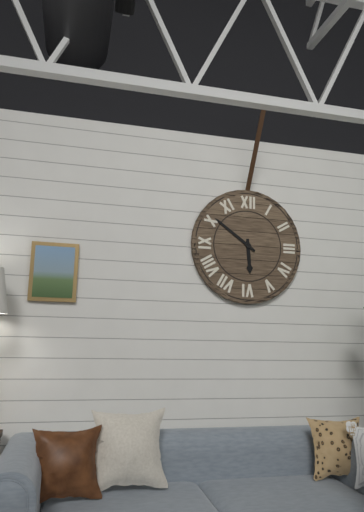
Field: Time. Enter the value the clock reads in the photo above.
5:51
